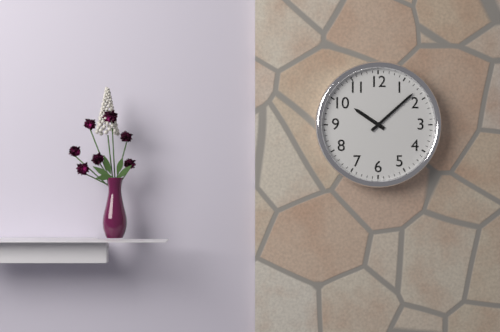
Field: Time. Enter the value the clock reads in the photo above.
10:08
